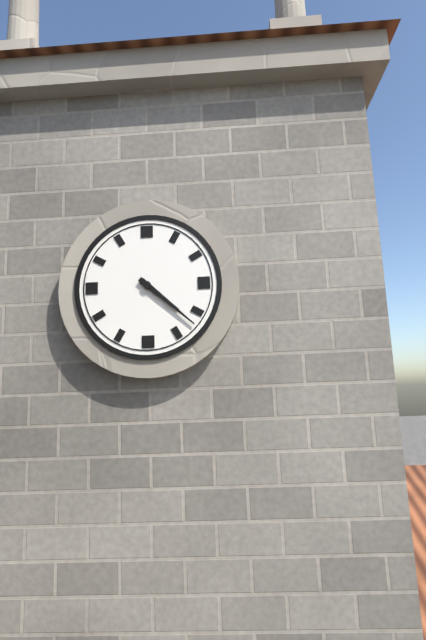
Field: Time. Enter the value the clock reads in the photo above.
4:22
